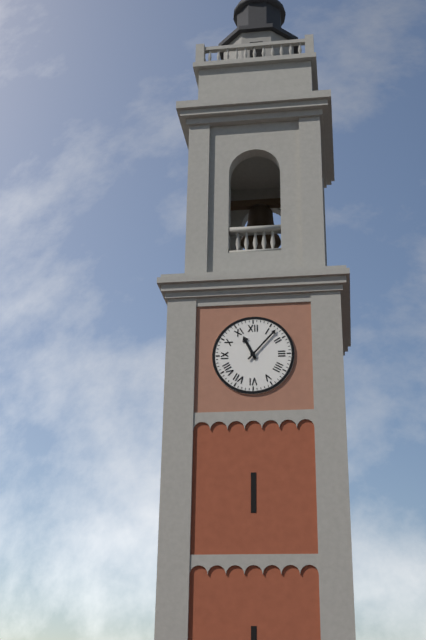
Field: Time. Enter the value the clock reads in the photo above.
11:07
